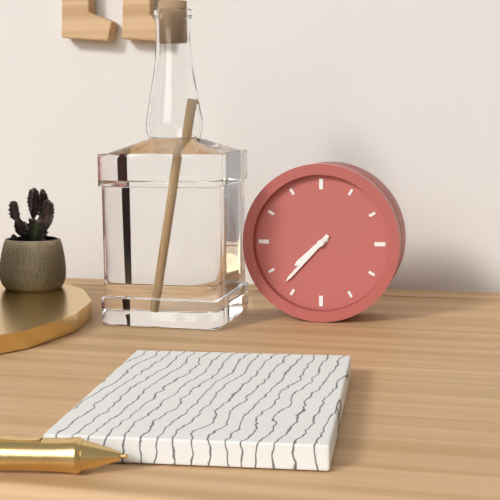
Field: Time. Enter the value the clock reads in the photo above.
7:37
